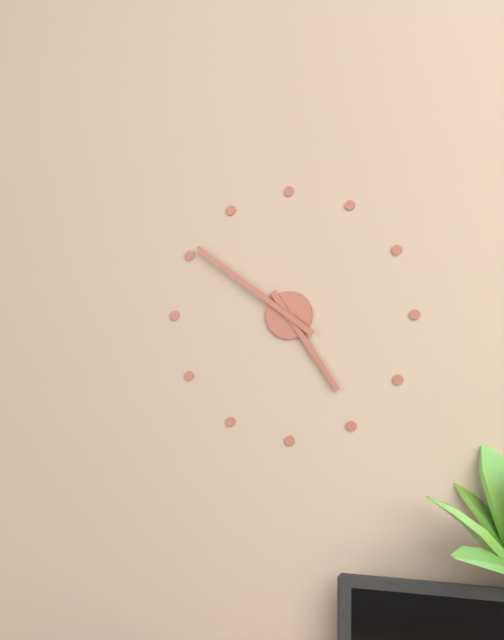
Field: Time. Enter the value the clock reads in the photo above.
4:51
